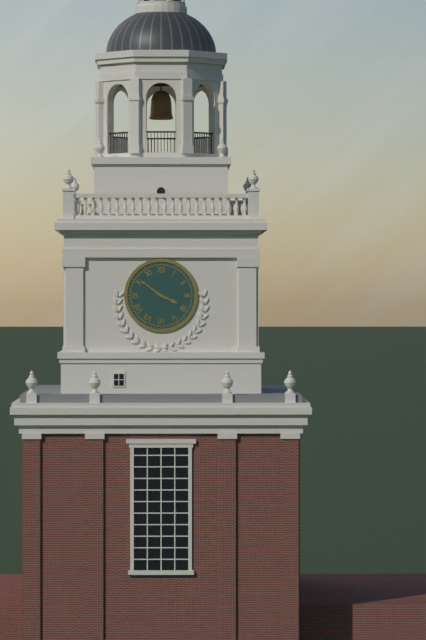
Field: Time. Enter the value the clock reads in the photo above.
3:51
